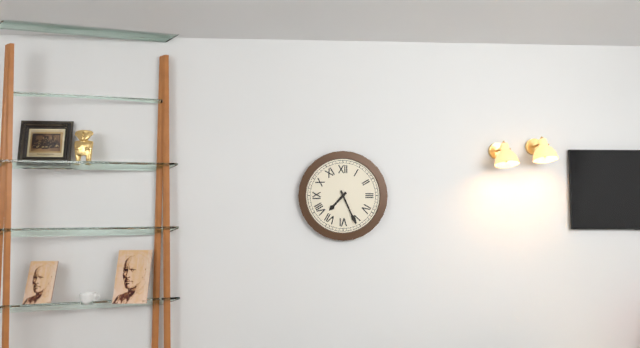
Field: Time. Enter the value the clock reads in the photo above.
7:26
